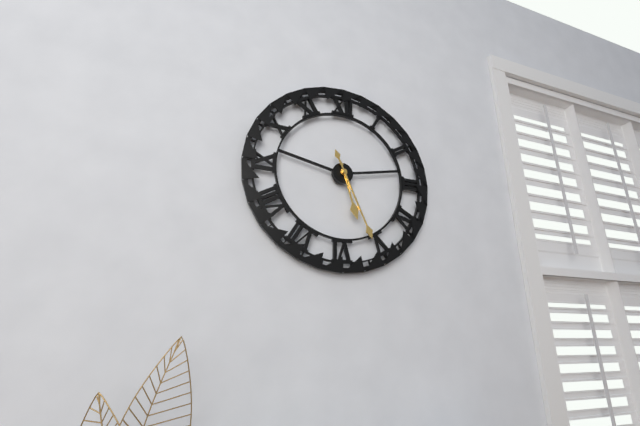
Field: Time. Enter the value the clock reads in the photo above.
5:26
